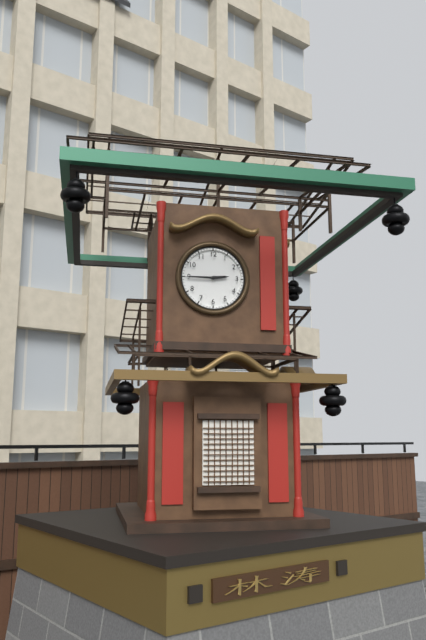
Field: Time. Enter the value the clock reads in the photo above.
2:45
